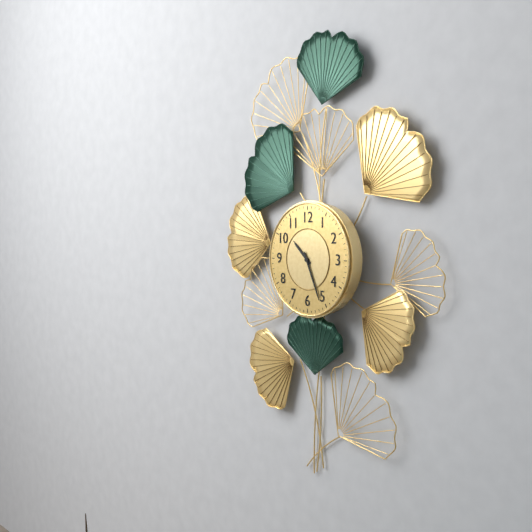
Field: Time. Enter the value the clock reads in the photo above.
10:26
